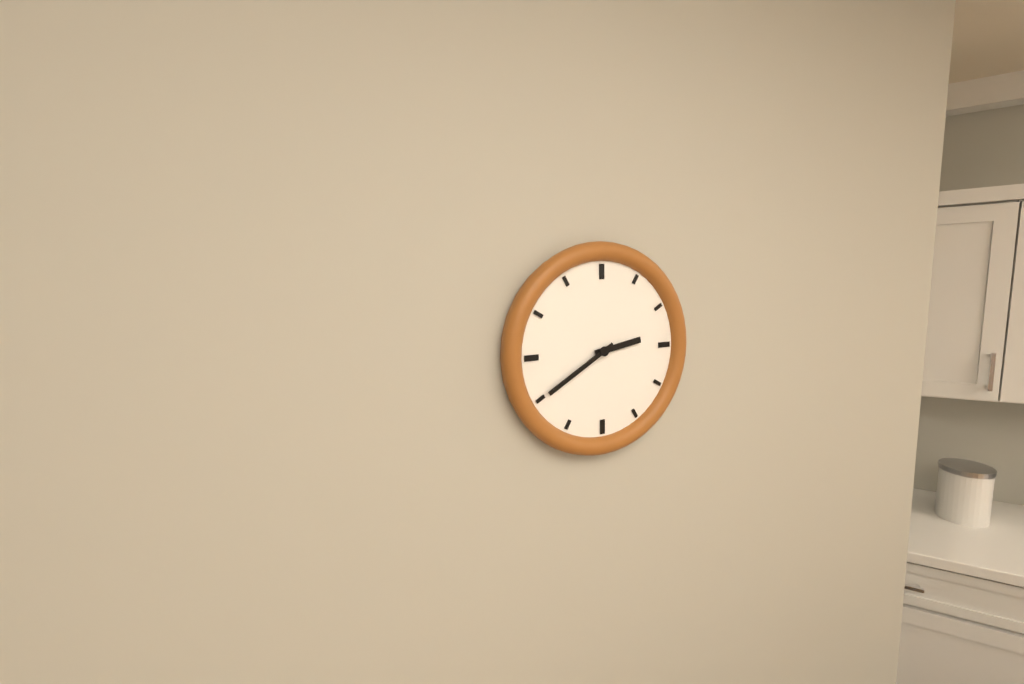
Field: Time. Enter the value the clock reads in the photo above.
2:40
